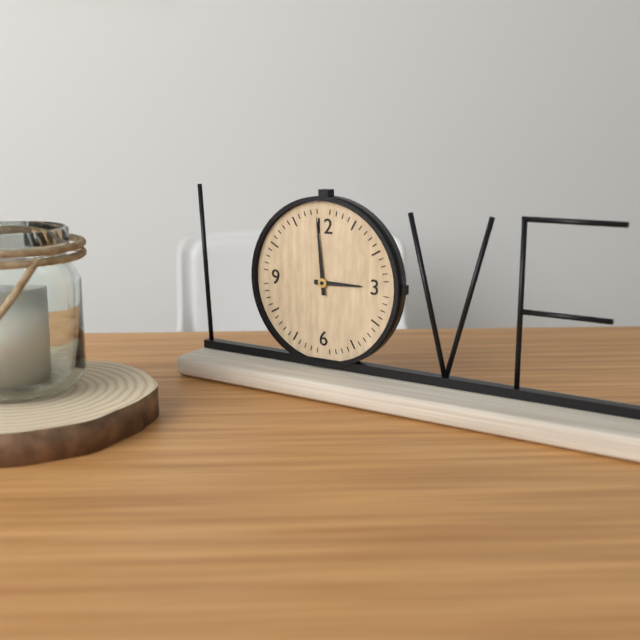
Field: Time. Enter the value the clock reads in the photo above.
2:59
